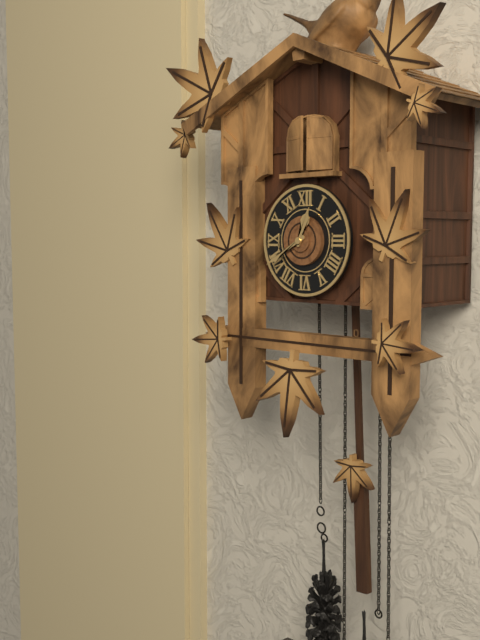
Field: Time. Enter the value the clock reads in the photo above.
12:40
